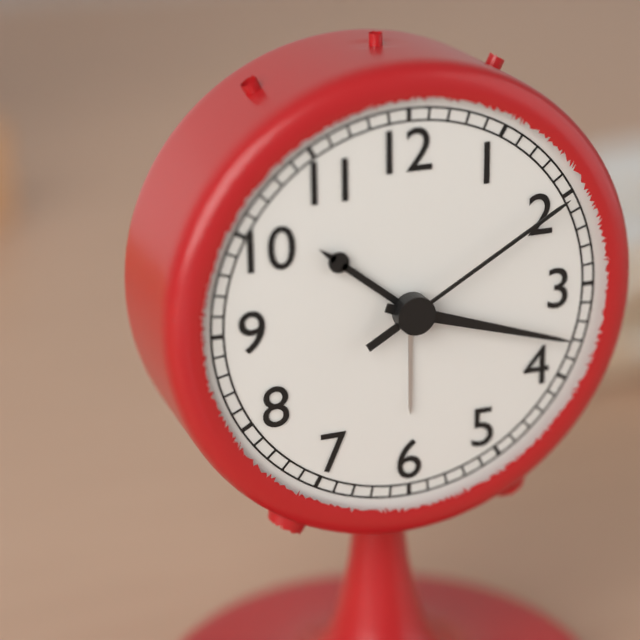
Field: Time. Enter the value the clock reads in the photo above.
10:18:10
